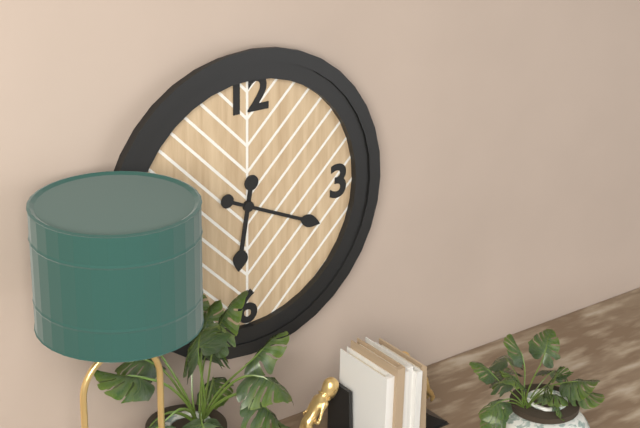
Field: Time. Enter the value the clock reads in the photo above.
6:19
